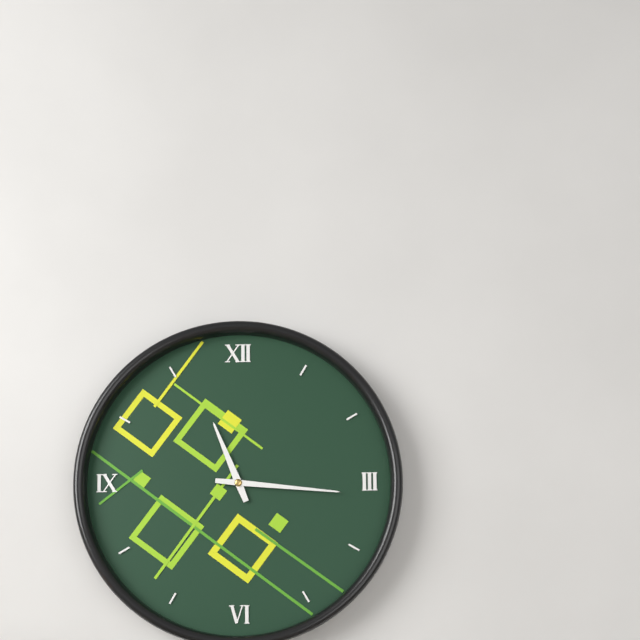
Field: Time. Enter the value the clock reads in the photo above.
11:16
